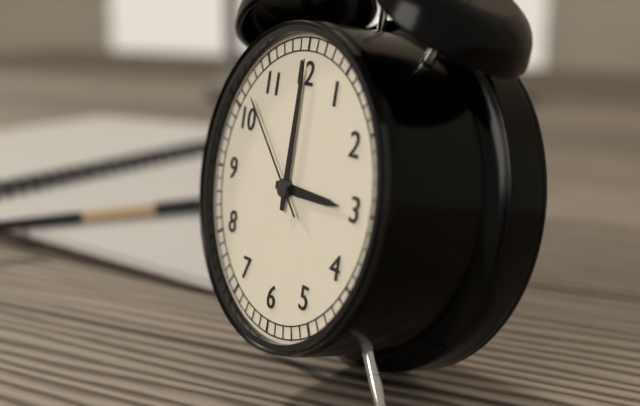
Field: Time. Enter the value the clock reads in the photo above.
3:00:52
